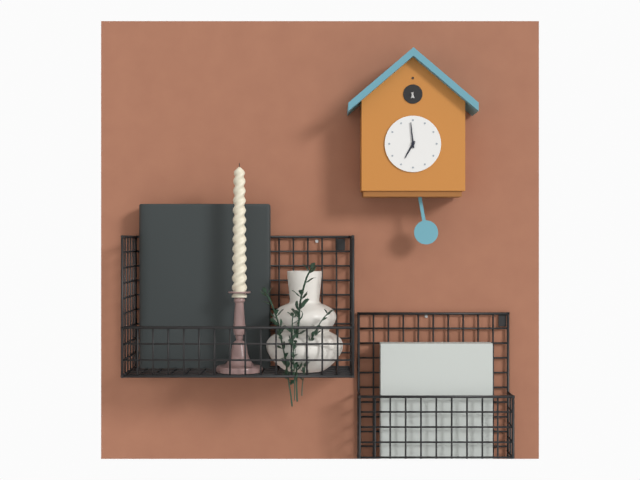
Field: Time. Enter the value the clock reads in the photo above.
6:59
